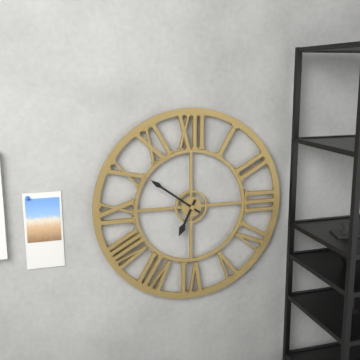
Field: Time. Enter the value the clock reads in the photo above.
6:51
